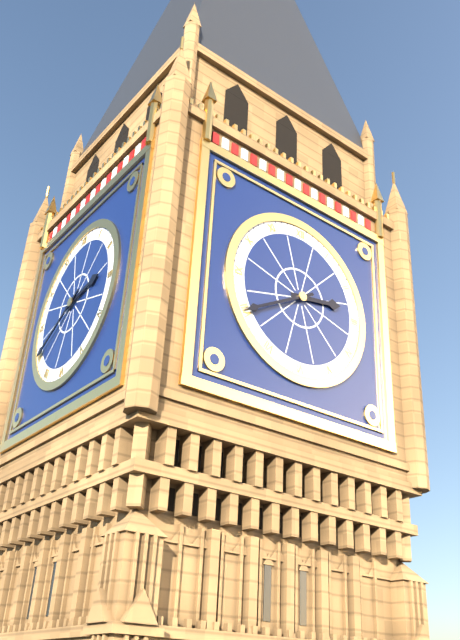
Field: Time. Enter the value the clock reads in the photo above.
2:40
